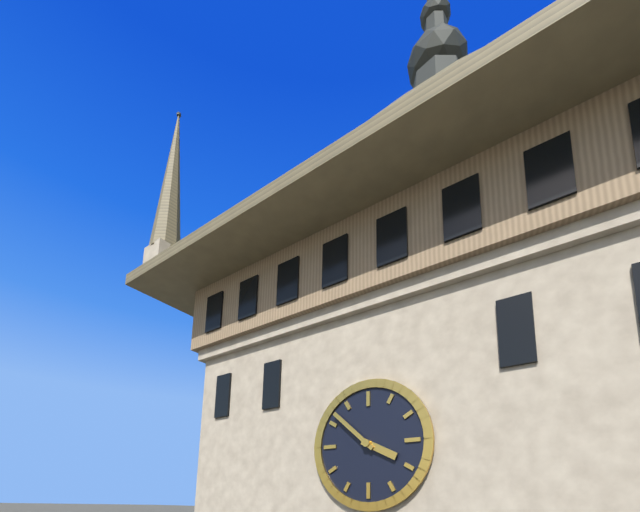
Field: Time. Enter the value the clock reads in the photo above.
3:52
